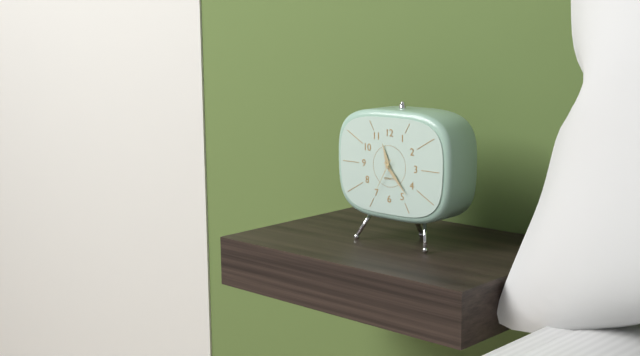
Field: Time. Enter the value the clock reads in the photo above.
11:23
